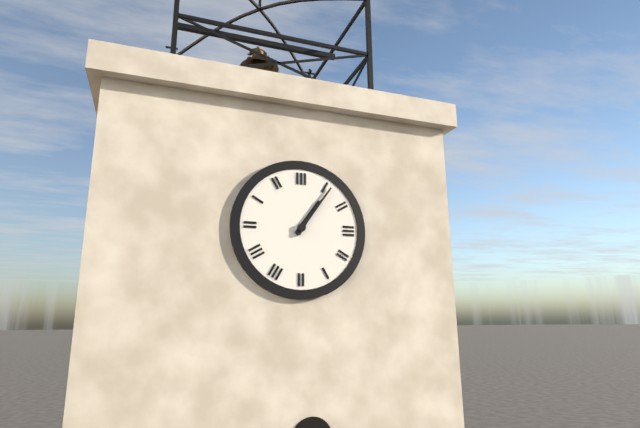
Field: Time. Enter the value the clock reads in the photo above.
1:06
